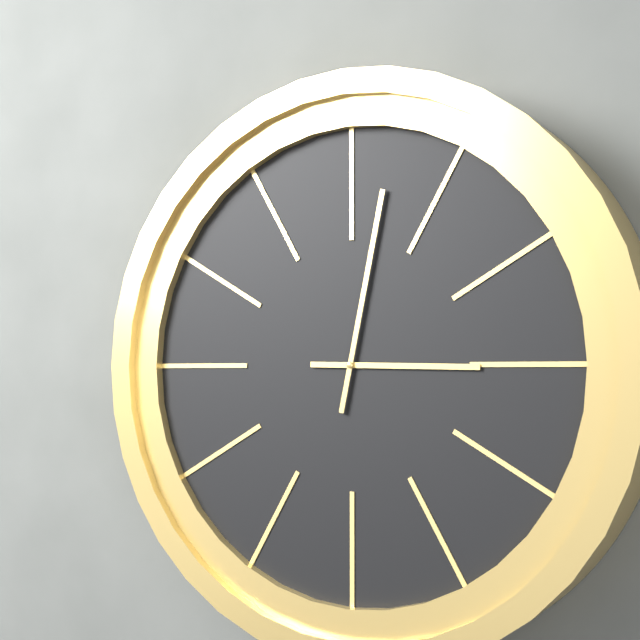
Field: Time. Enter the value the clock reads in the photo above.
3:02
